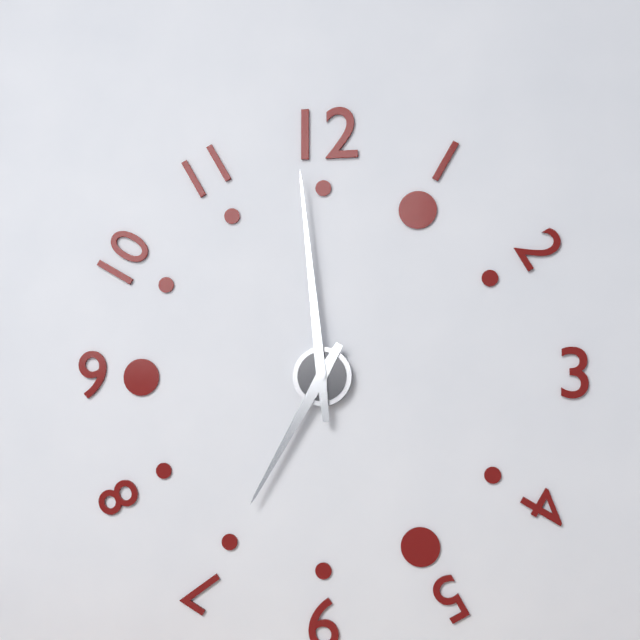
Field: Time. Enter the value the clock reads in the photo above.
6:59
